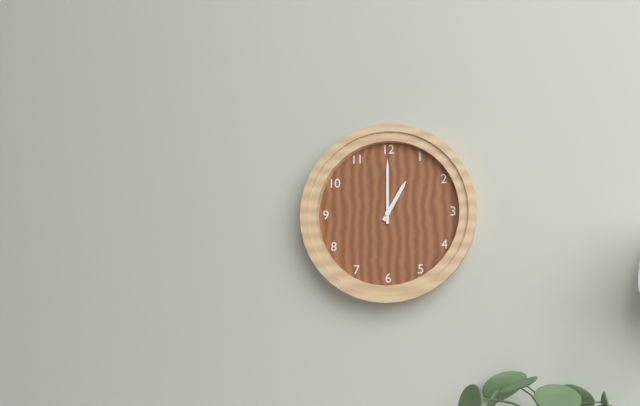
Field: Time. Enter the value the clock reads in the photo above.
1:00
